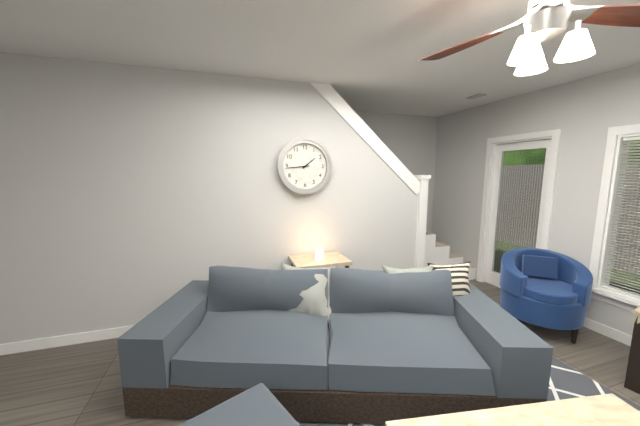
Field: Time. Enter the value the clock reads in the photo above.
1:44
